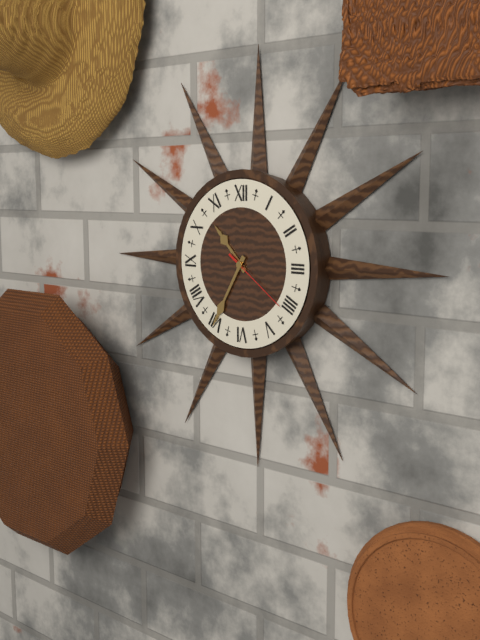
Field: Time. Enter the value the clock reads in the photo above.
10:35:21
